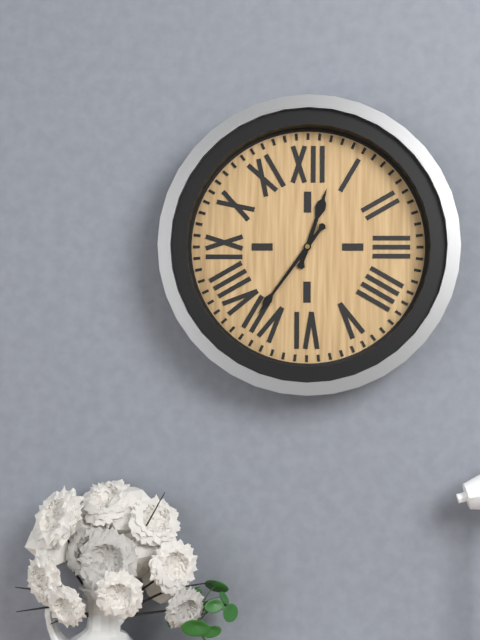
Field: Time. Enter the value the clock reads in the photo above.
12:36
